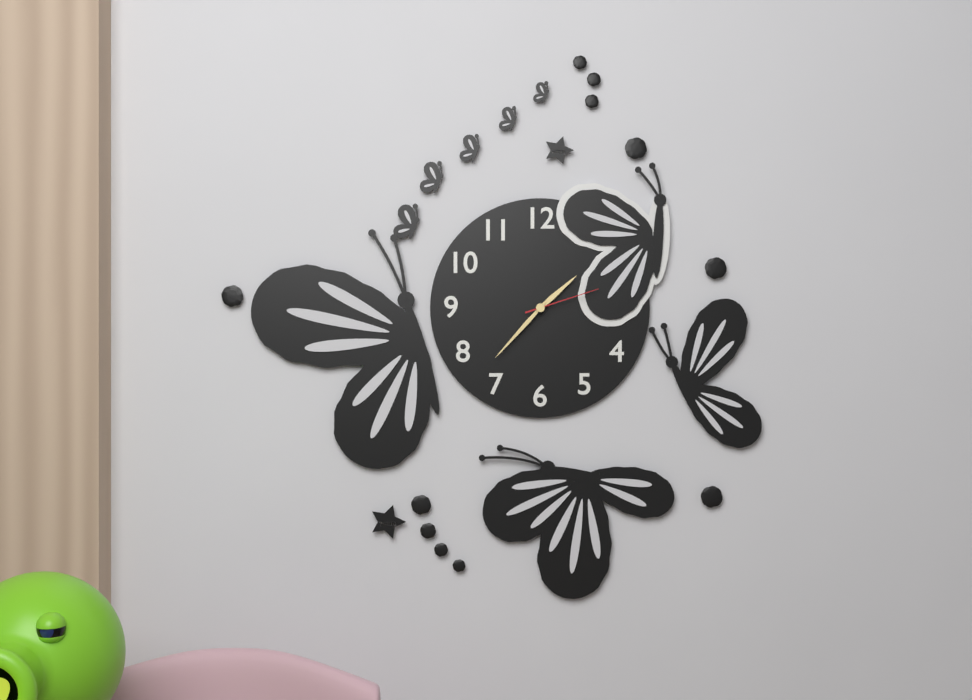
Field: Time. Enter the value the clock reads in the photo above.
1:37:12
